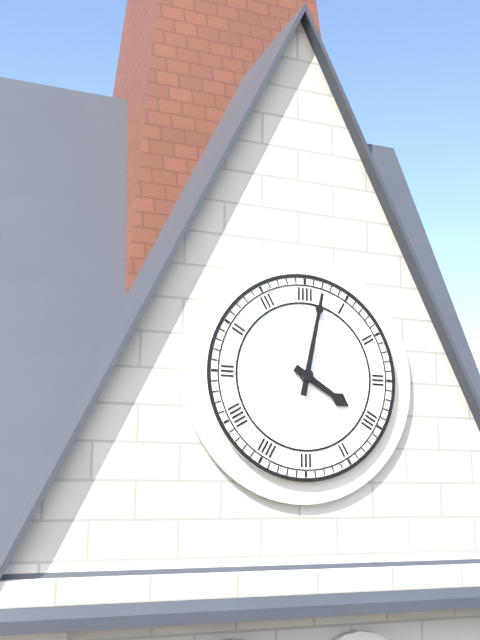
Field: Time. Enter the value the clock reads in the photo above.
4:02
